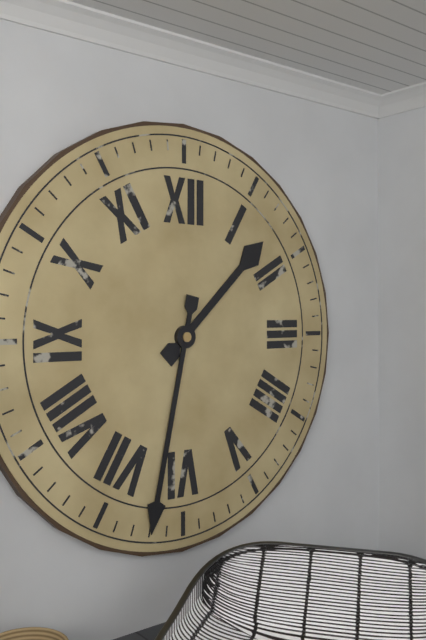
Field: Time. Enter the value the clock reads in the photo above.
1:32
